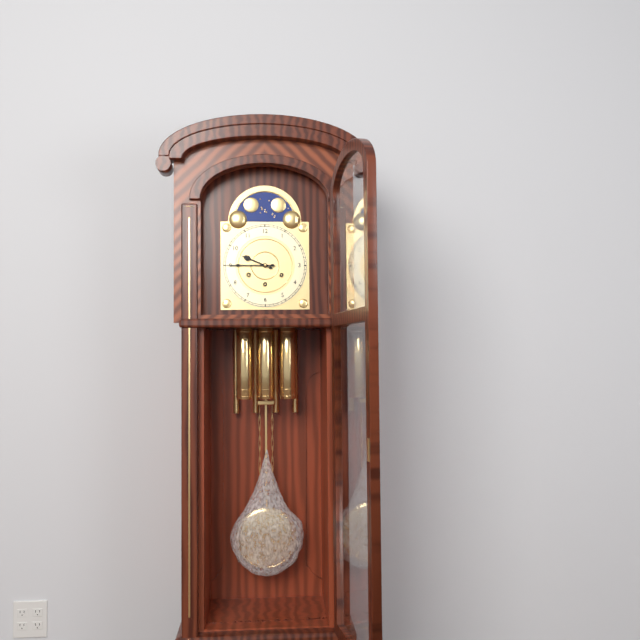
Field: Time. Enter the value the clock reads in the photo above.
9:45
